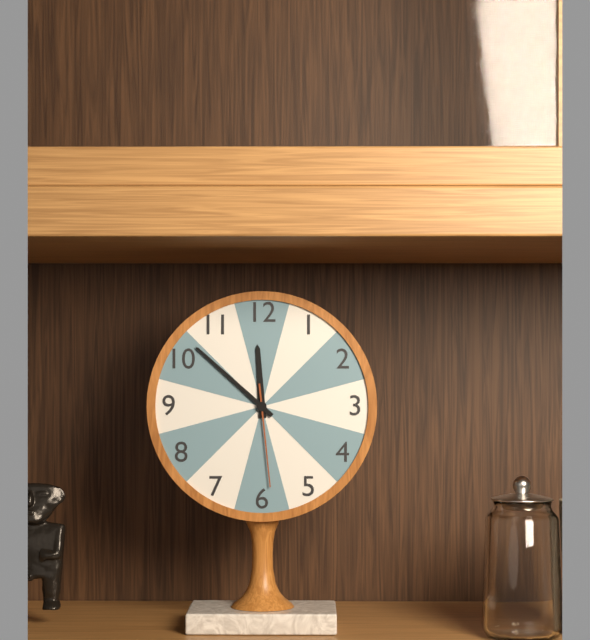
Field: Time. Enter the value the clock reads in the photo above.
11:52:29
